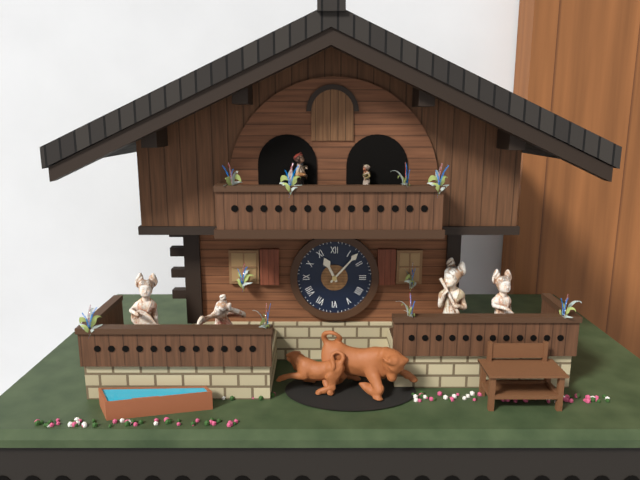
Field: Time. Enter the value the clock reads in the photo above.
11:07
